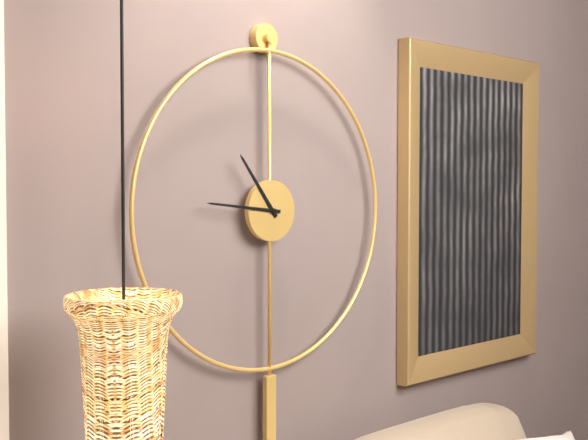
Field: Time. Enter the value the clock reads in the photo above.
10:46
